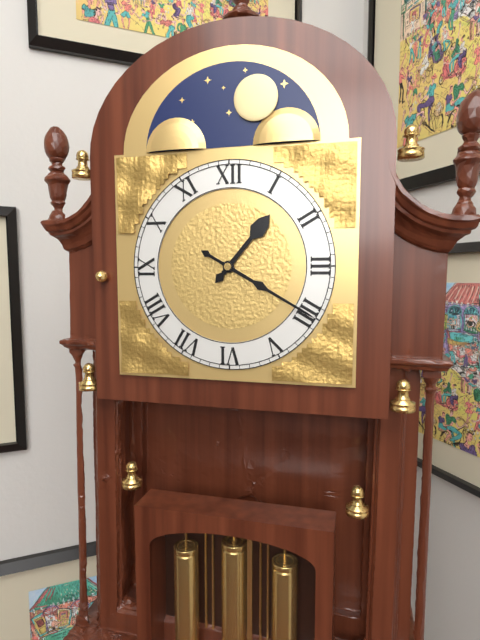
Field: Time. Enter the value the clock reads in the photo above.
1:20
